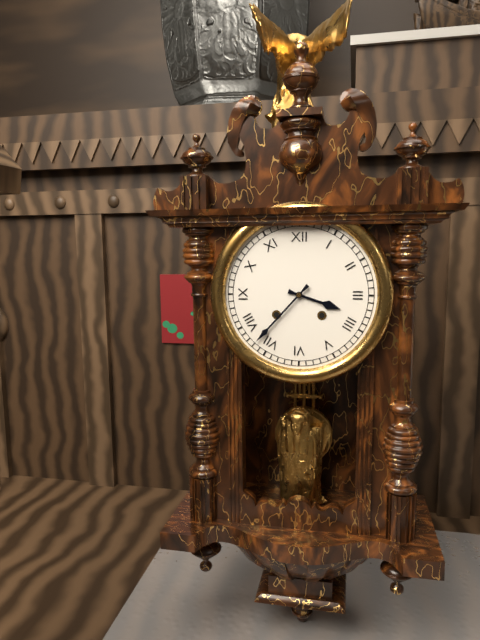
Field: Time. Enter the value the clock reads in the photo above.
3:37
